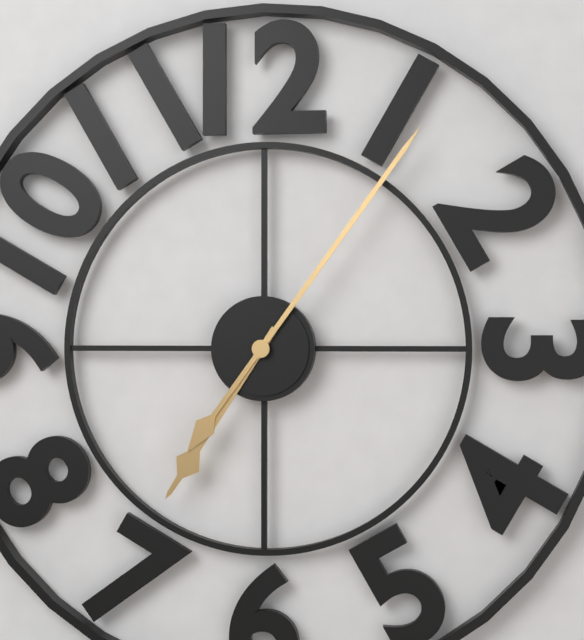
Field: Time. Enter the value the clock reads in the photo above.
7:06
